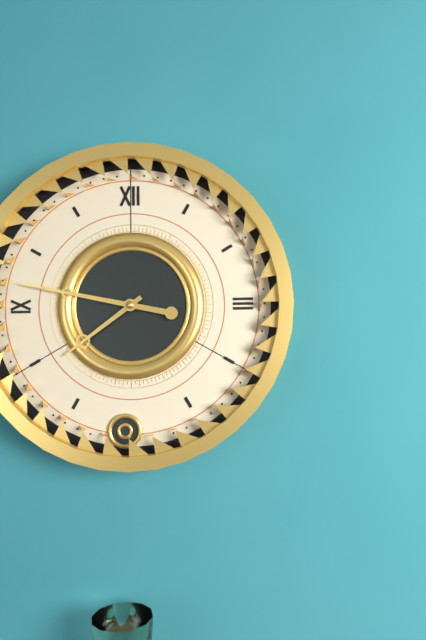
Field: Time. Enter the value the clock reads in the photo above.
7:47
